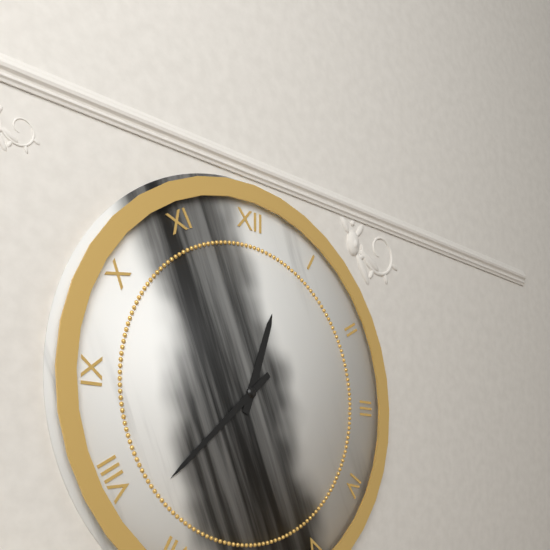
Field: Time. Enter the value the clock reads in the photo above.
12:38
